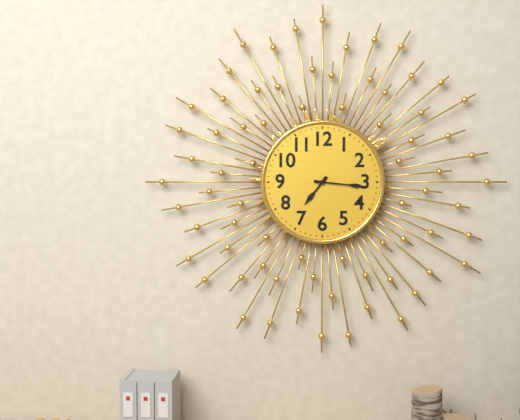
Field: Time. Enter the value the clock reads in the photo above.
7:16
